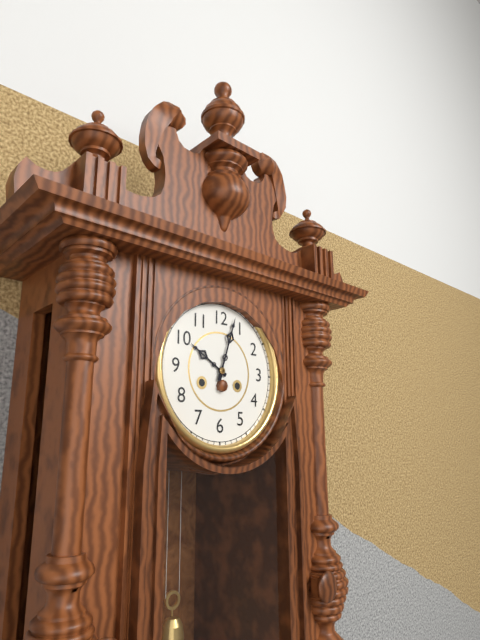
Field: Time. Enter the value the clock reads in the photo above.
10:03
